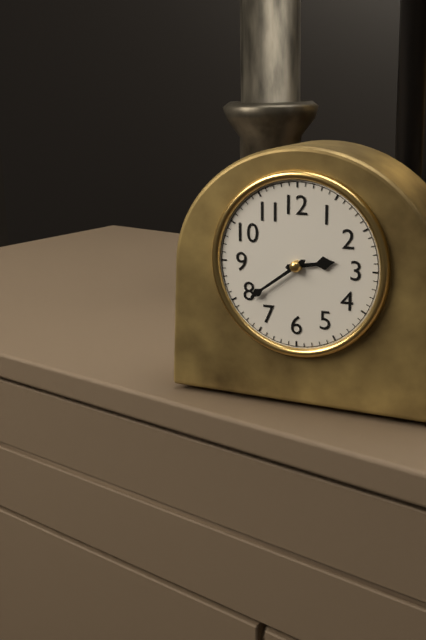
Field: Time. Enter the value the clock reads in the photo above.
2:39
